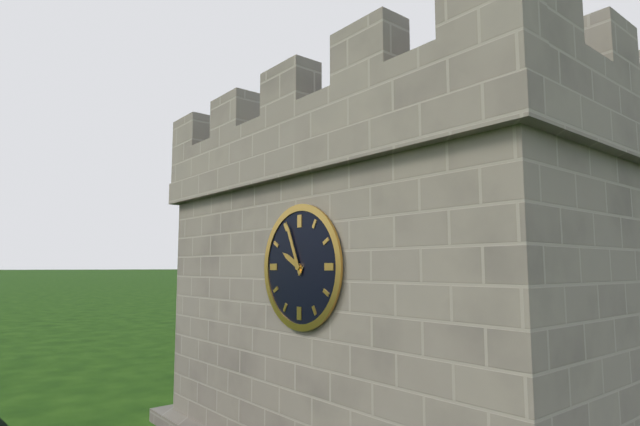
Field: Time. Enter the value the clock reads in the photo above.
9:56
